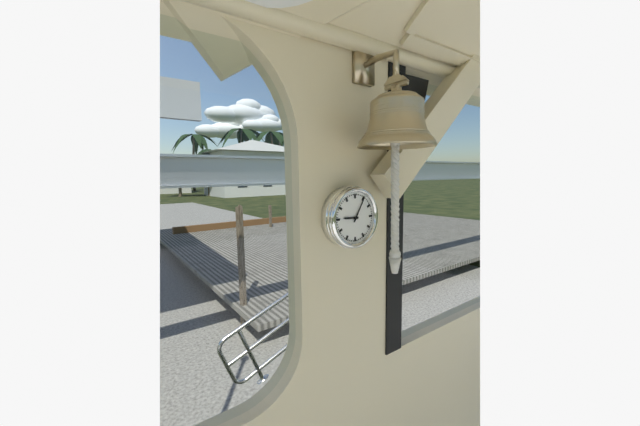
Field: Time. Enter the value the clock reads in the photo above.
9:05
